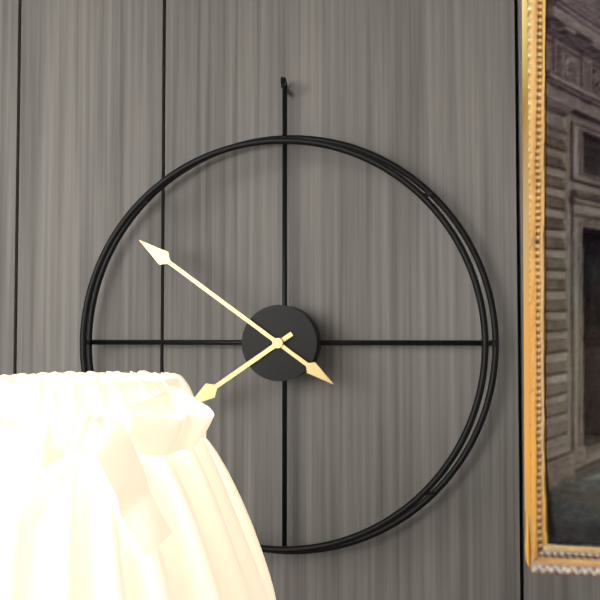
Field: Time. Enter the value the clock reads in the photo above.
7:51
